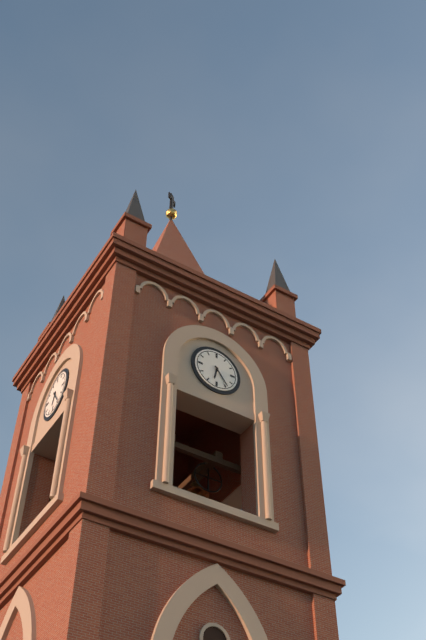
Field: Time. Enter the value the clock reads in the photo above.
6:24
